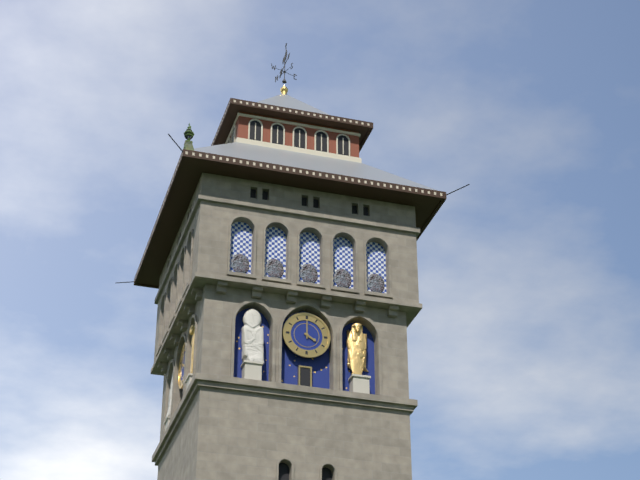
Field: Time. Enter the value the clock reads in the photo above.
4:00
